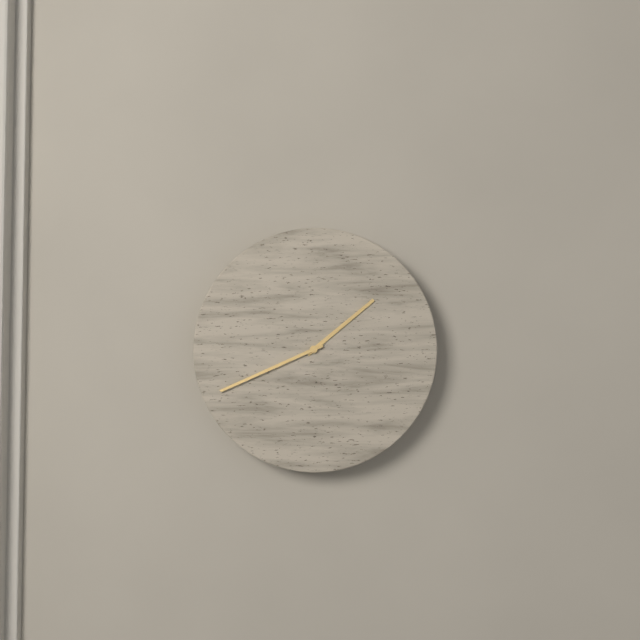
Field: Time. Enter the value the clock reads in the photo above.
1:41
